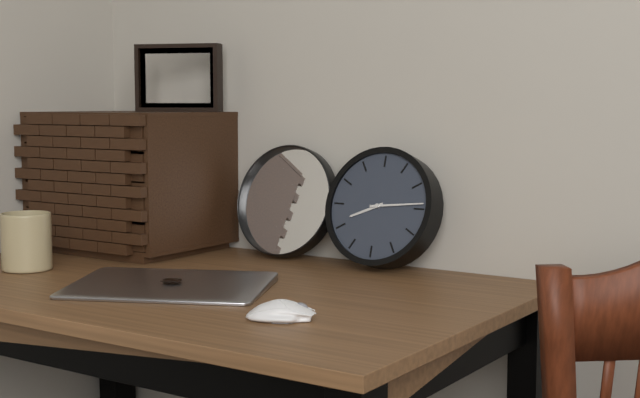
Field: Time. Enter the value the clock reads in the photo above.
8:14
